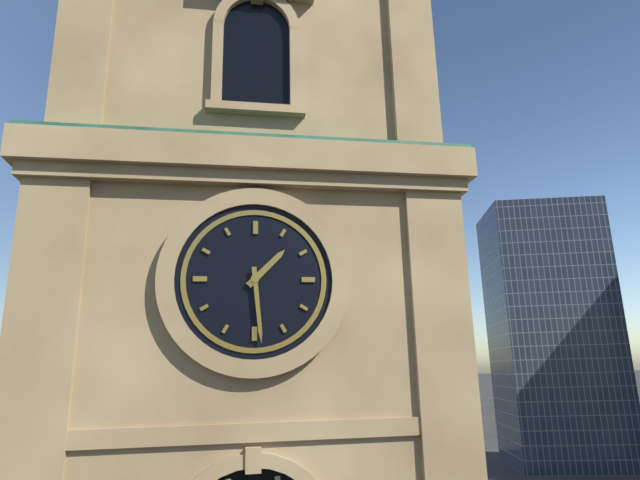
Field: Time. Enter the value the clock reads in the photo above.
1:29
